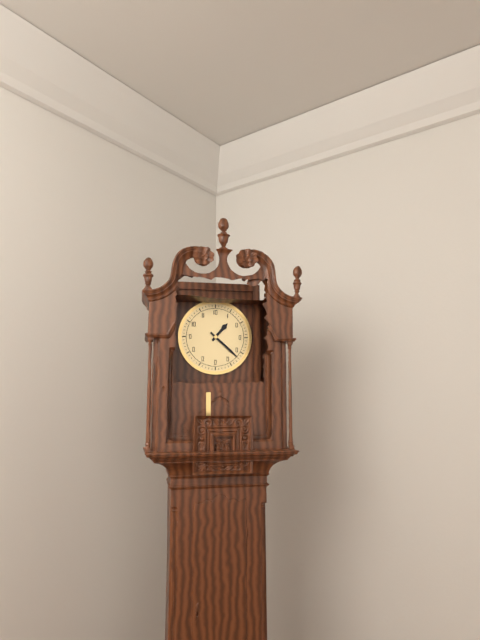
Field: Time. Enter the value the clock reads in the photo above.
1:22
